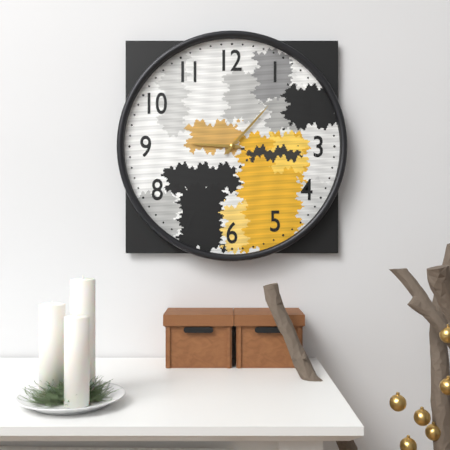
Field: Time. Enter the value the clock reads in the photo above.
9:07
